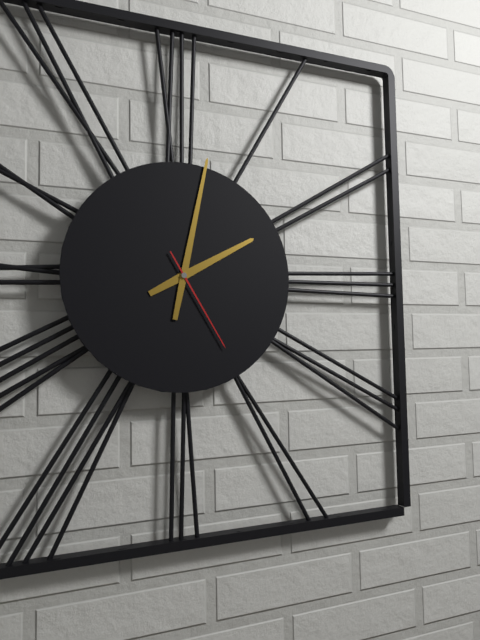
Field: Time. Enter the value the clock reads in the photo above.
2:02:25
